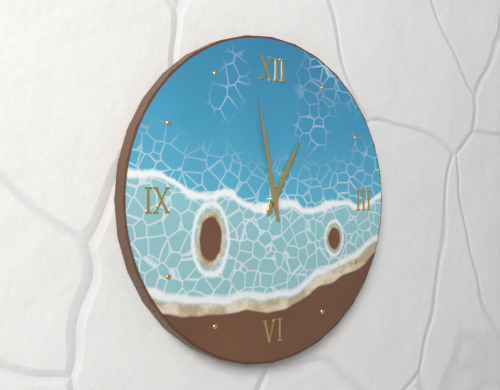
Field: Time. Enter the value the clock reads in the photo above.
12:58
